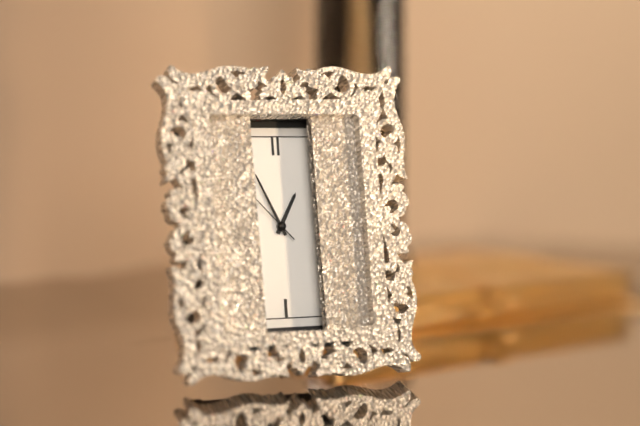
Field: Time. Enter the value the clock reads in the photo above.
12:56:53
